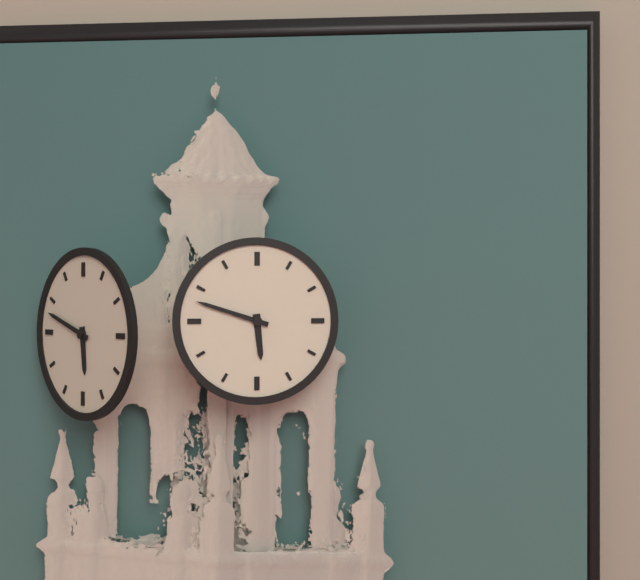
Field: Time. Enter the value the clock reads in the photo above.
5:48
